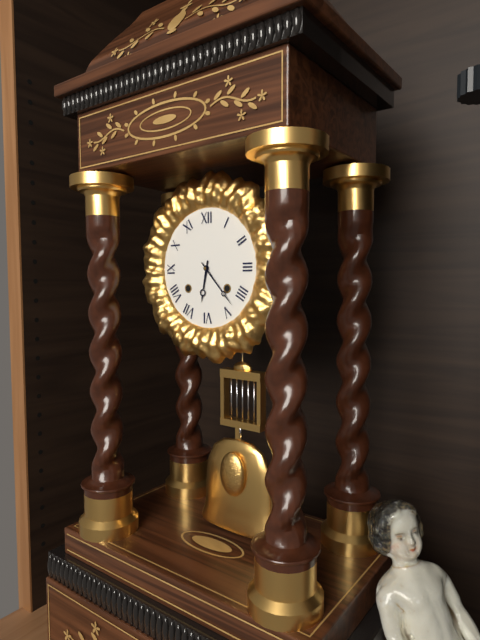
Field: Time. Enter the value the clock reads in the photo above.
6:23
